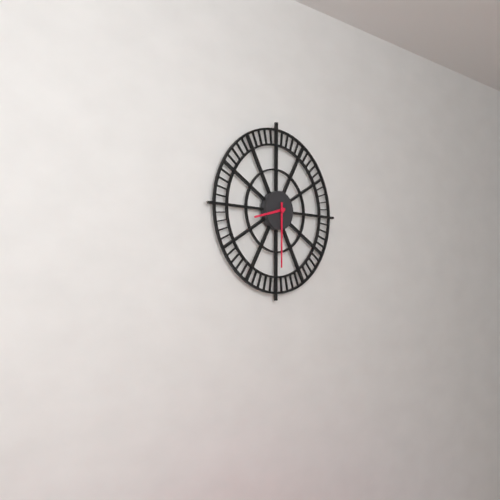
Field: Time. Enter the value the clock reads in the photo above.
8:30
